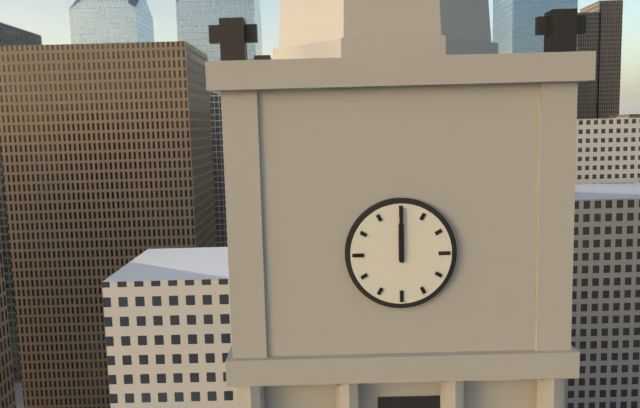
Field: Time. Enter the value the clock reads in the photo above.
12:00
